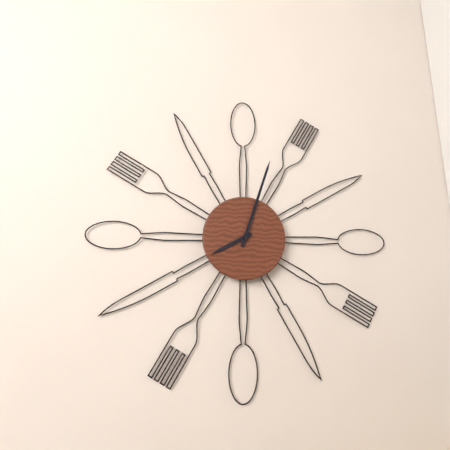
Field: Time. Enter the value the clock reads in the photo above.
8:03
